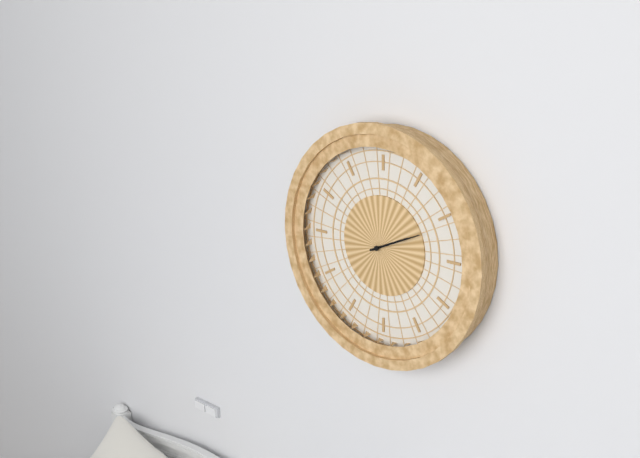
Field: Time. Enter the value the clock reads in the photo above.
2:11
